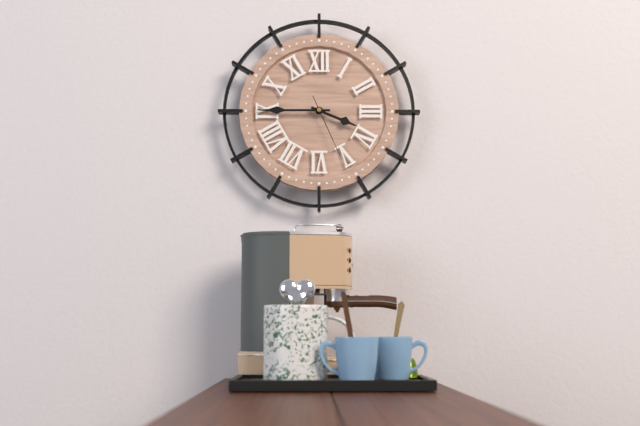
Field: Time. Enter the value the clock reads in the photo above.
3:45:26
